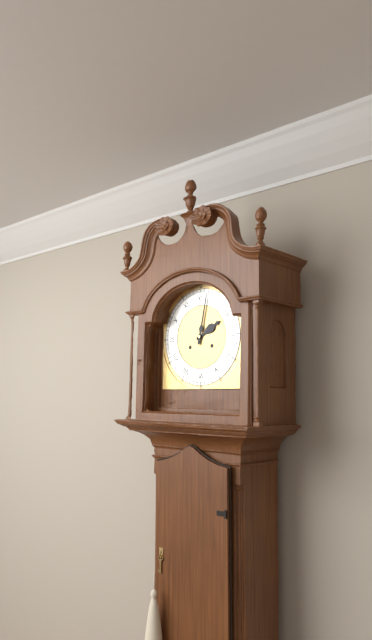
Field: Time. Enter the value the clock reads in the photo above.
2:02
